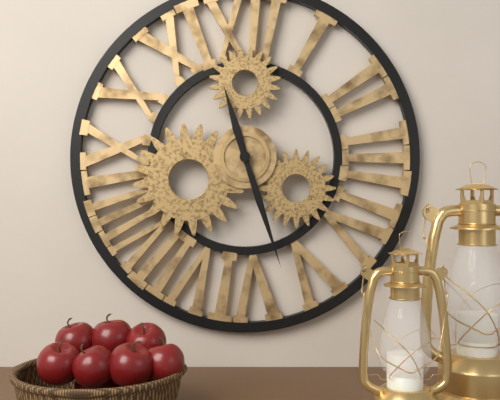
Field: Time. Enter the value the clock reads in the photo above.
11:27
